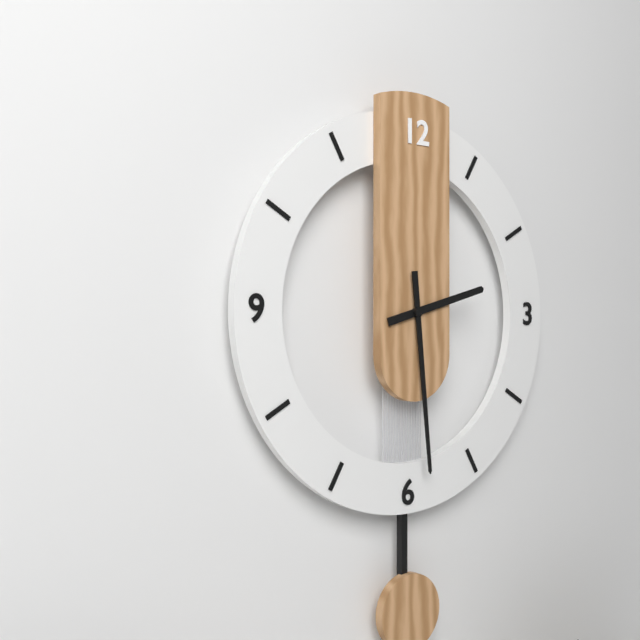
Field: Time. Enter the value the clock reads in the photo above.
2:29
